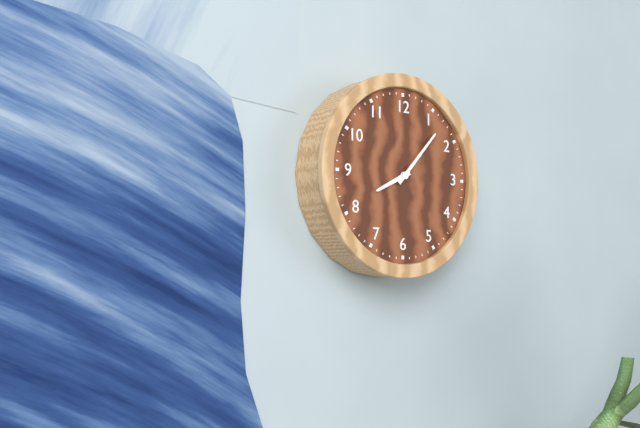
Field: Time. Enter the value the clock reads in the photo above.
8:07
